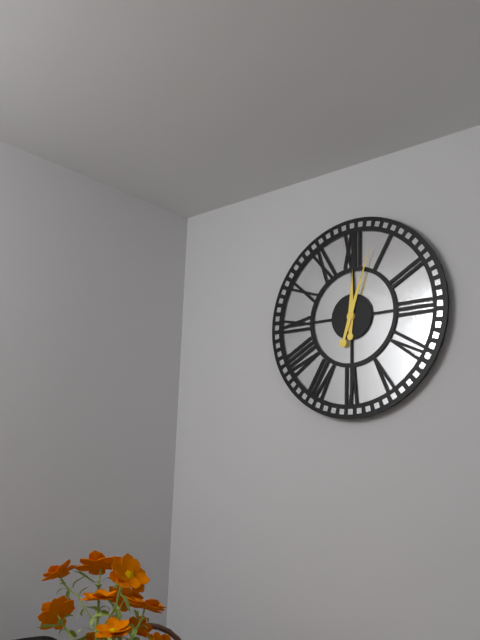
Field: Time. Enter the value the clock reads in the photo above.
12:03
